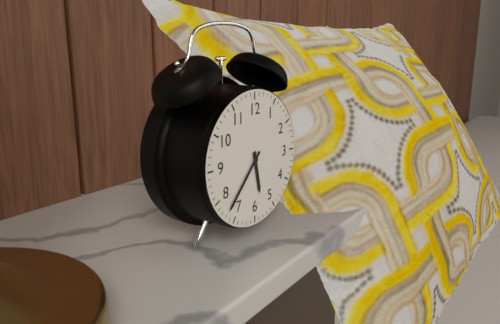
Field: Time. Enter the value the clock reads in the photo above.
5:37
